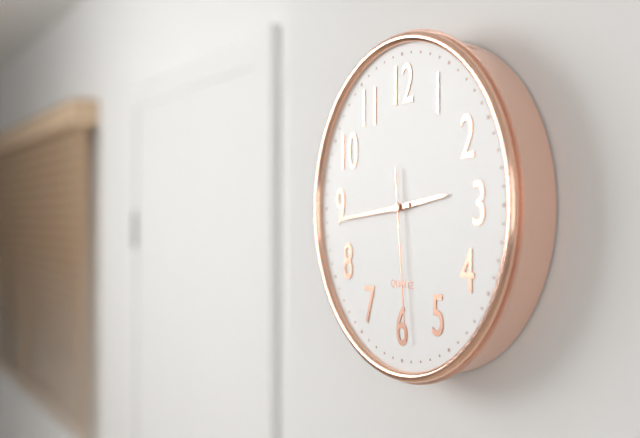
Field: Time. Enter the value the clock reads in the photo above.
2:44:29
